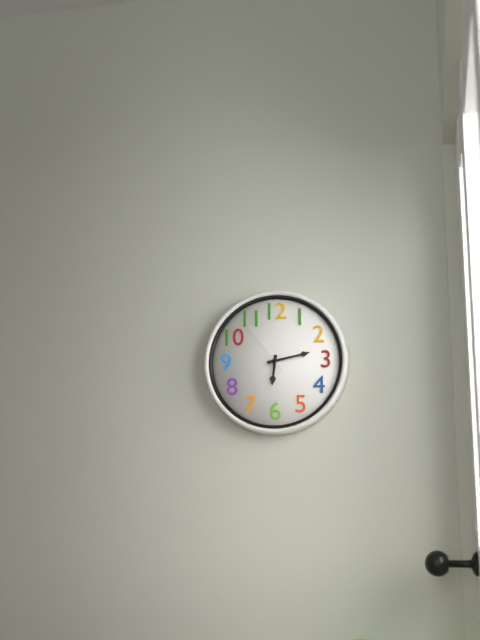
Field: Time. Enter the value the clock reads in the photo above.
6:13:54
